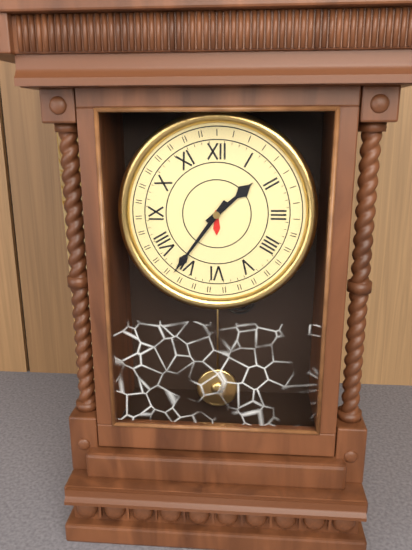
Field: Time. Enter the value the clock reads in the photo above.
1:36
